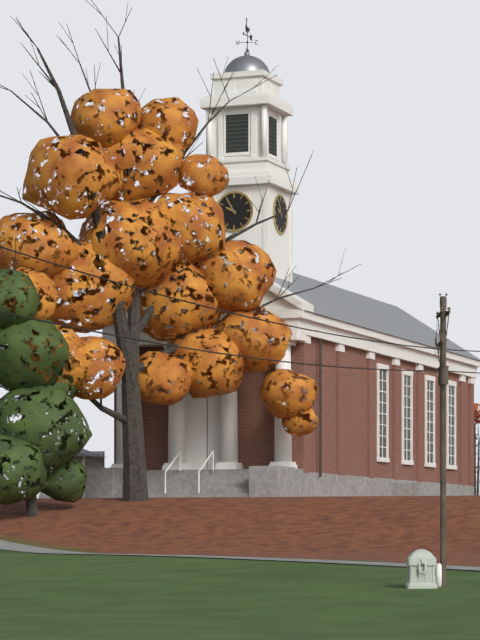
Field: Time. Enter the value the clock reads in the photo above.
9:55
